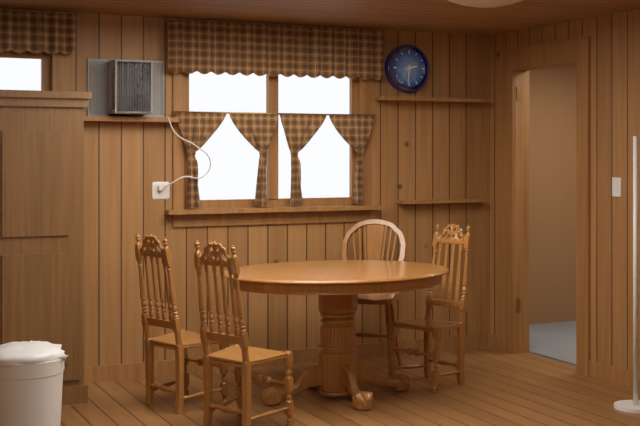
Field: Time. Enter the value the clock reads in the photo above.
2:31
